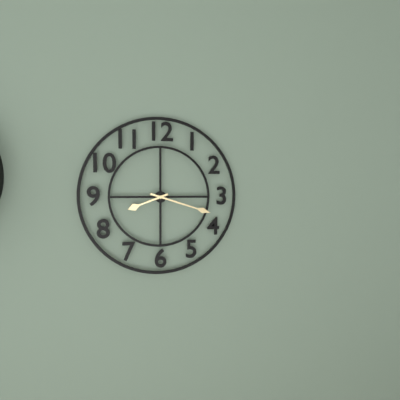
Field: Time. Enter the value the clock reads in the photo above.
8:18
